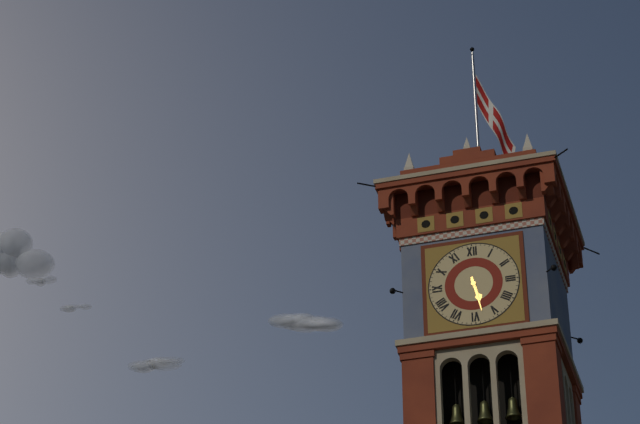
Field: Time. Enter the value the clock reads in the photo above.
5:28
